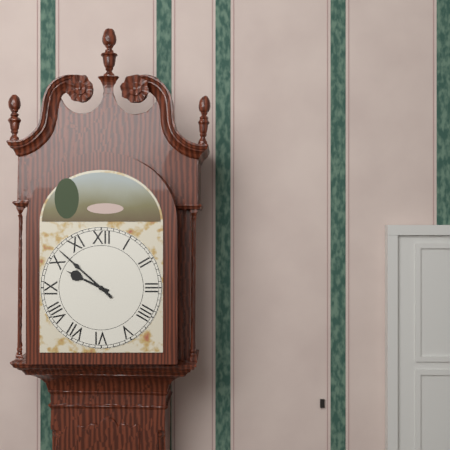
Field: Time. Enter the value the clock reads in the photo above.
9:52
